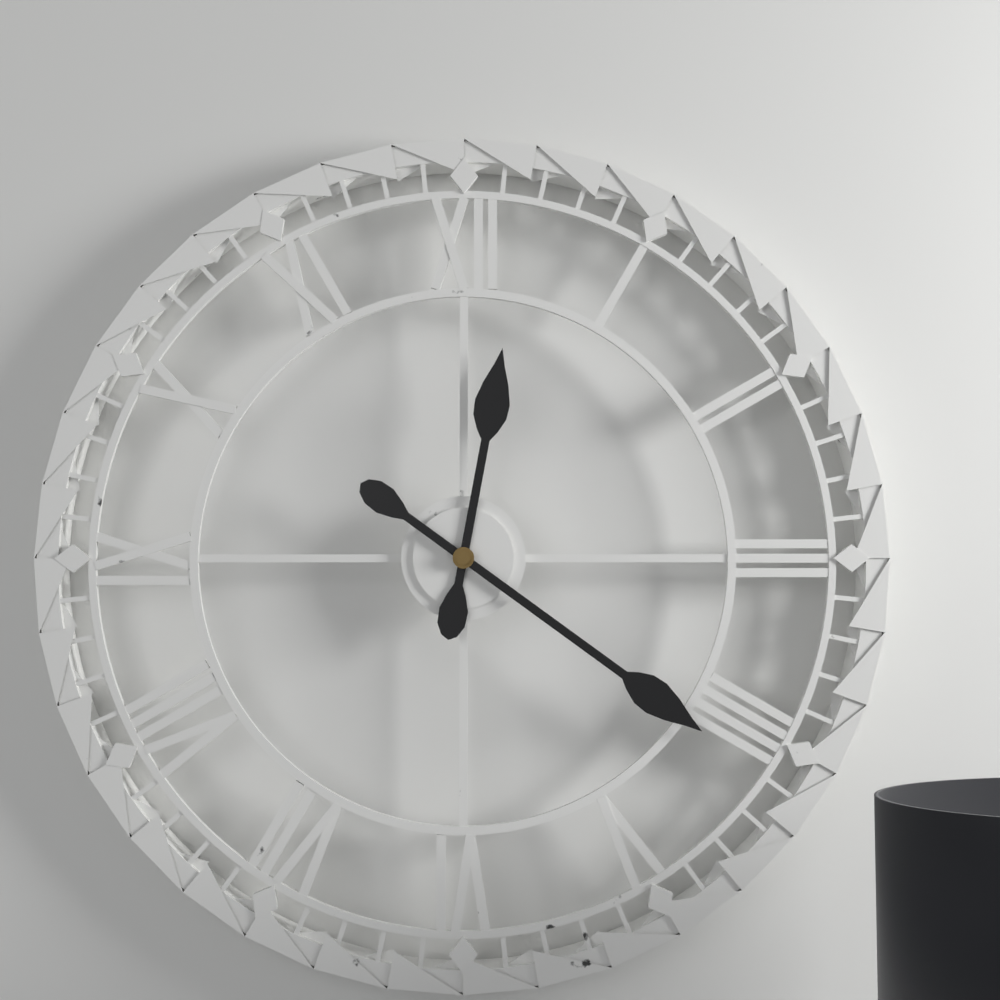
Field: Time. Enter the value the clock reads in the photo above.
12:21
